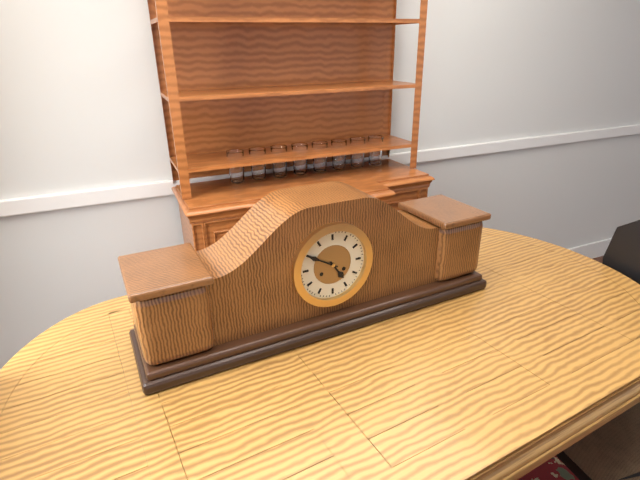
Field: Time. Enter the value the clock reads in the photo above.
4:50
